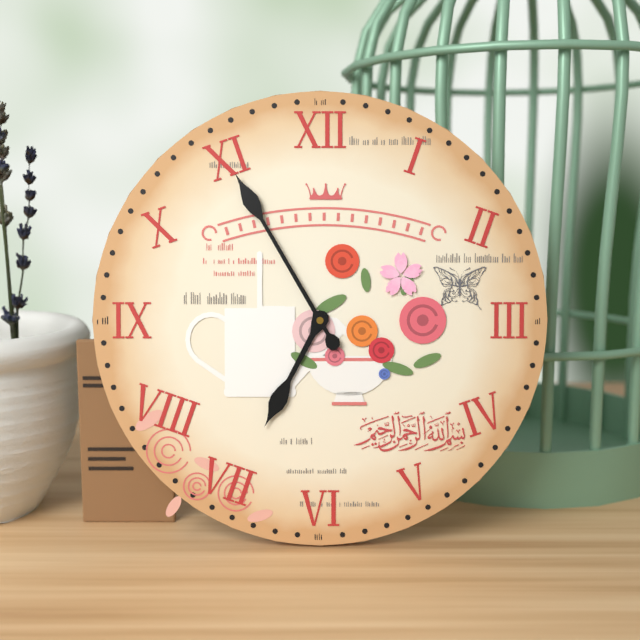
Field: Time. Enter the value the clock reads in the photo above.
6:55
